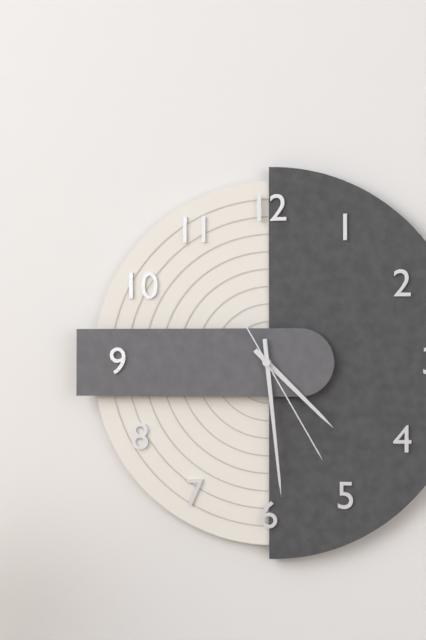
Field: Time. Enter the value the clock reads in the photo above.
4:29:25
